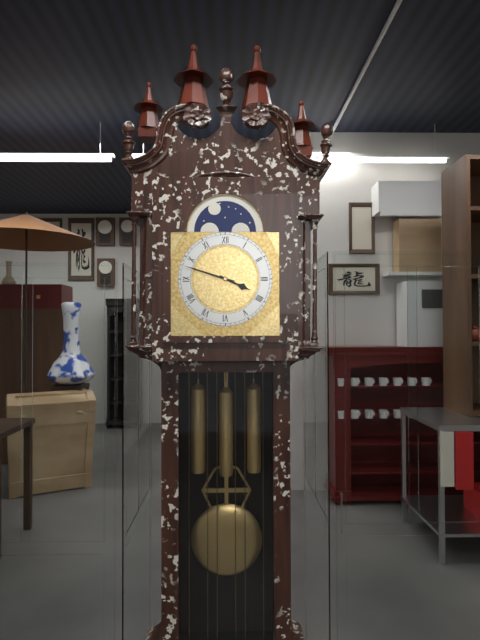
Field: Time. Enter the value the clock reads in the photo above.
3:48
